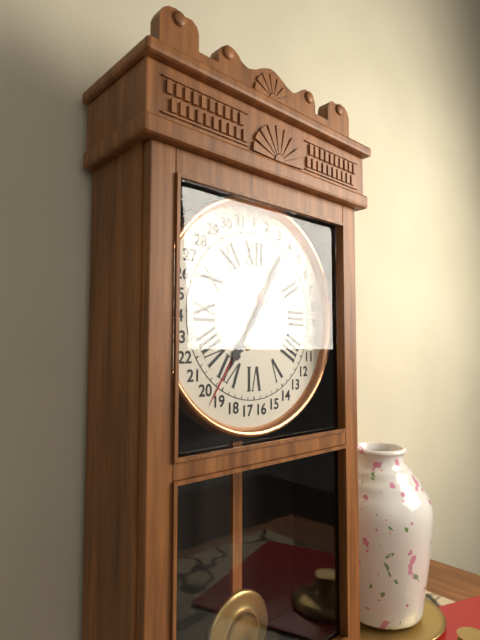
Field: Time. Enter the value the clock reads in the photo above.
7:05
